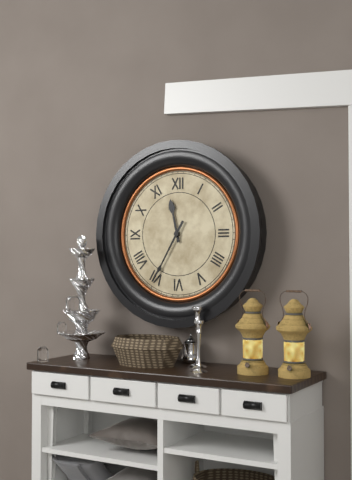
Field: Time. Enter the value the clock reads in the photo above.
11:35
